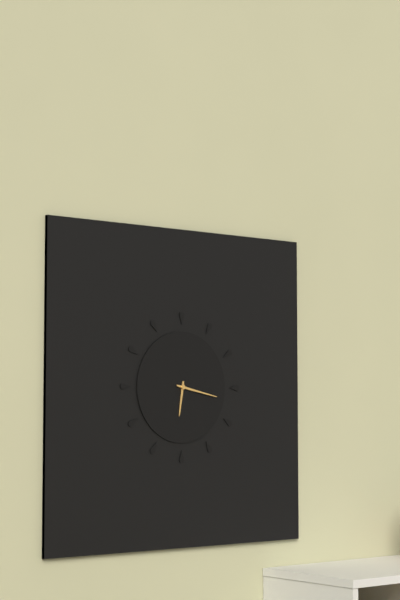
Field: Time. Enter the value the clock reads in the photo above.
6:17
